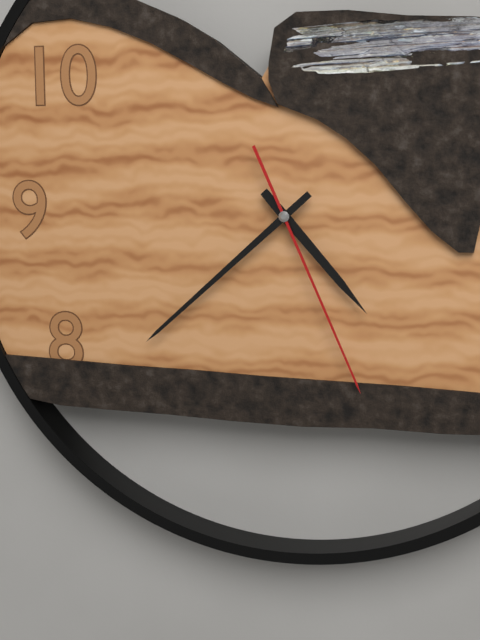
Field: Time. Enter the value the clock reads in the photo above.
4:38:26
